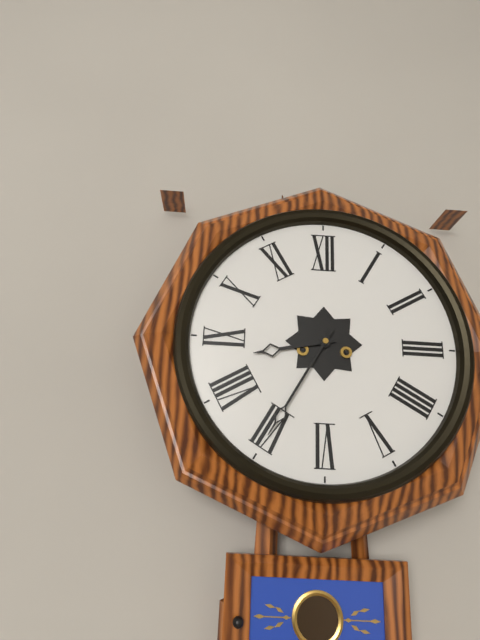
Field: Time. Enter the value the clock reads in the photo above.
8:35
